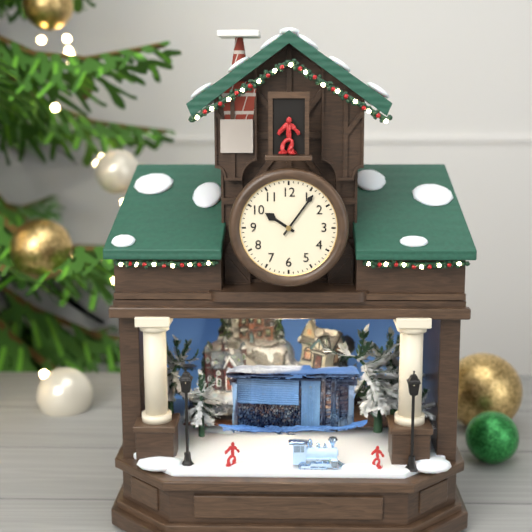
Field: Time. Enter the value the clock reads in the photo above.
10:06
